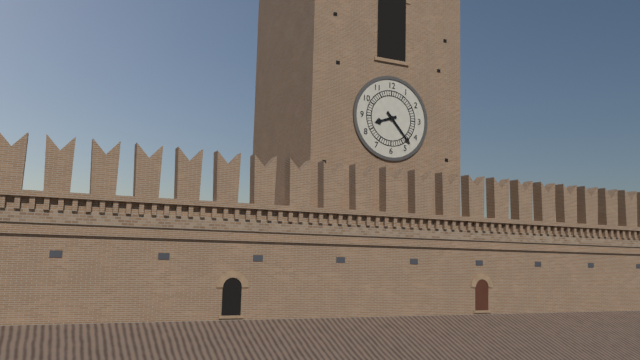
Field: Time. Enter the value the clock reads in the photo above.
8:23
